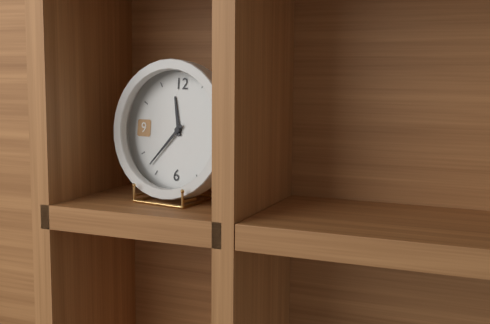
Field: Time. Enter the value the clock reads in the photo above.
11:37
